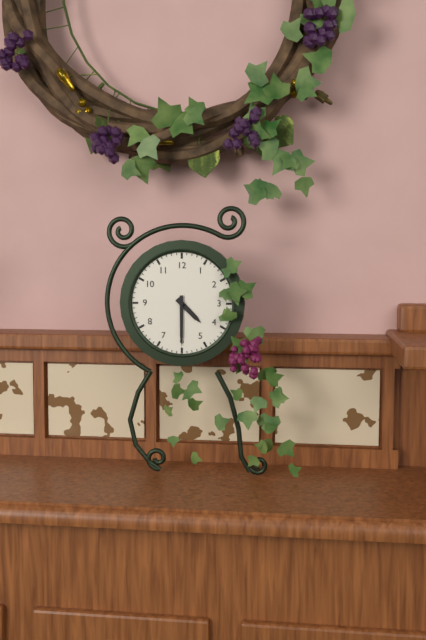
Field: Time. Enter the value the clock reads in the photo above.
4:30
